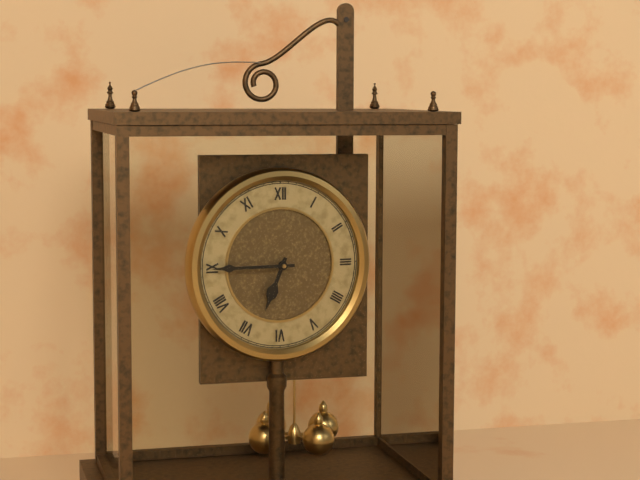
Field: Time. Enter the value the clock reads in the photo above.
6:45
